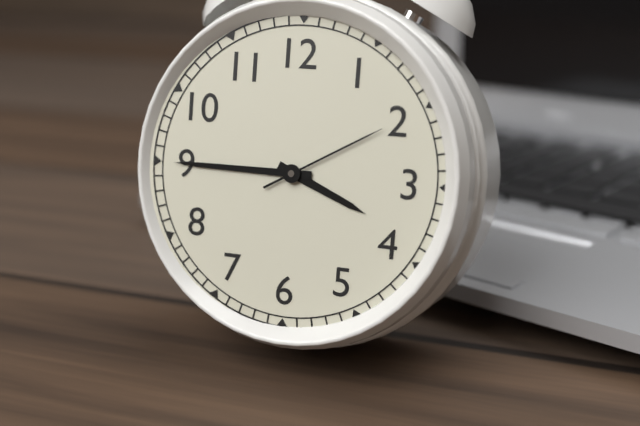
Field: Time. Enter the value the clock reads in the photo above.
3:45:10
